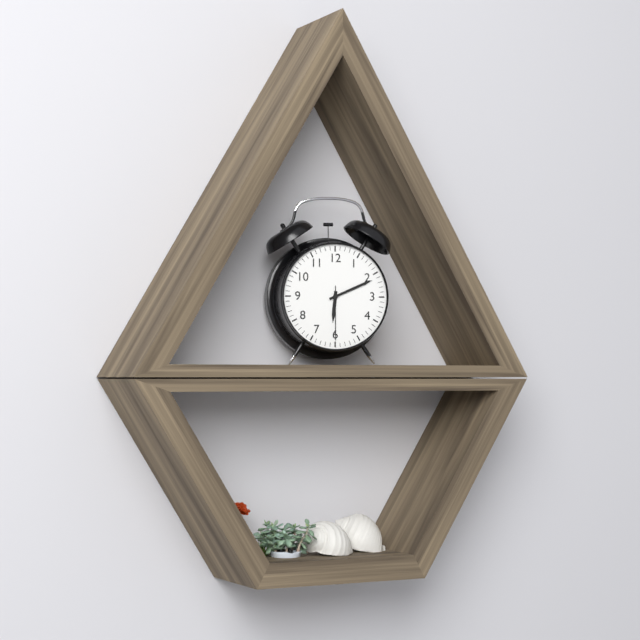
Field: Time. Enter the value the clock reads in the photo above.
6:11:30
